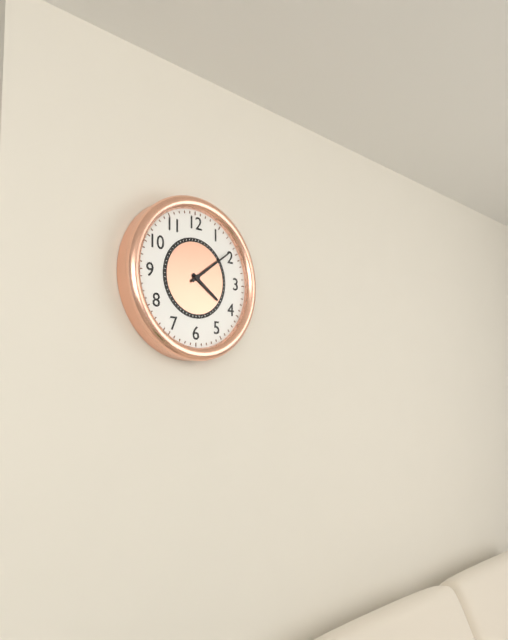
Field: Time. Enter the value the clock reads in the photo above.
4:09
